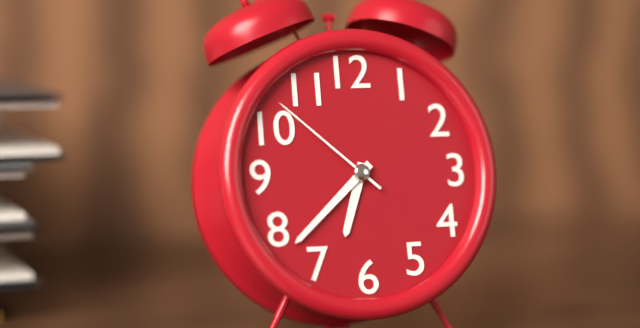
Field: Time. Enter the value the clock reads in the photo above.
6:38:52
